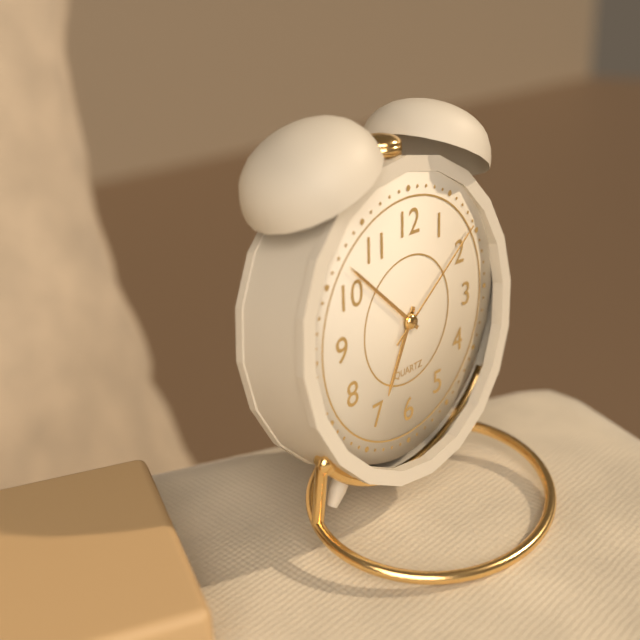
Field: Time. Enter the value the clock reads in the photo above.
6:52:09
